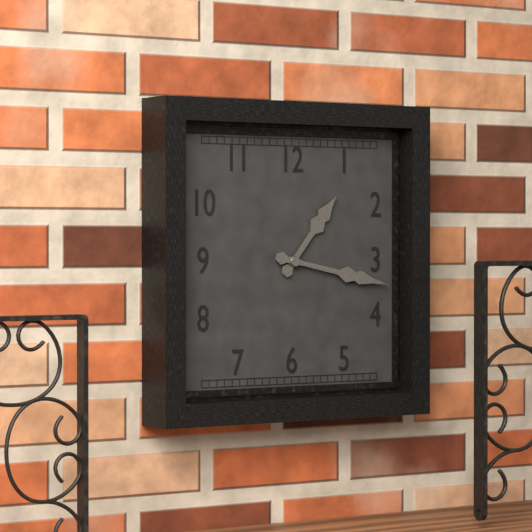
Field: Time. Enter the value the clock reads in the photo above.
1:17
